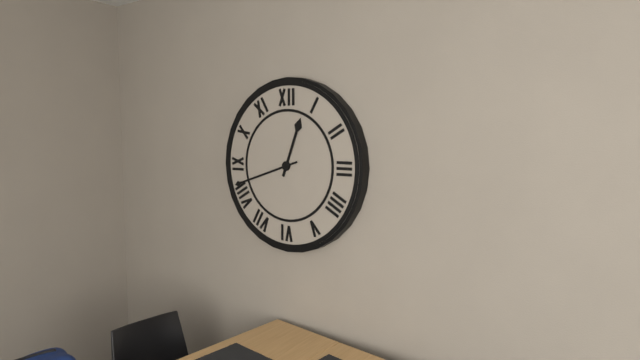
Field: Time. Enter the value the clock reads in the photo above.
12:42
